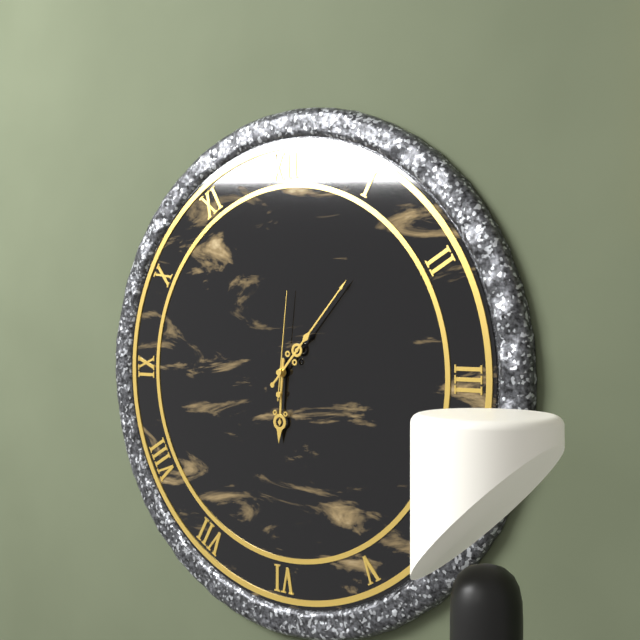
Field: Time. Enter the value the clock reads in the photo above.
6:07:01
